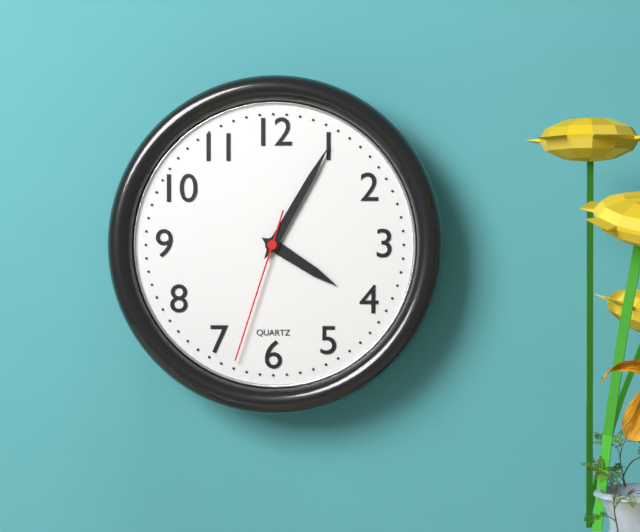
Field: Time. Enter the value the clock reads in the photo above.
4:05:33
